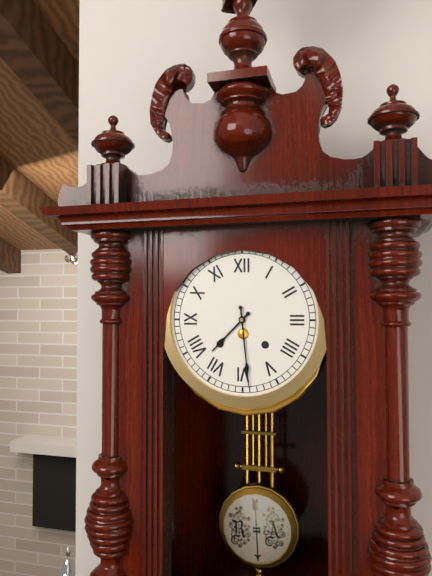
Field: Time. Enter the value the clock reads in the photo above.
7:29
